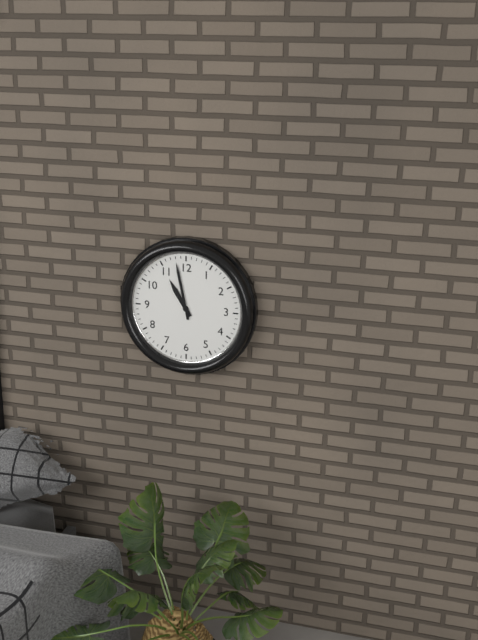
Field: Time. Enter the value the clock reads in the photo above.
10:58
